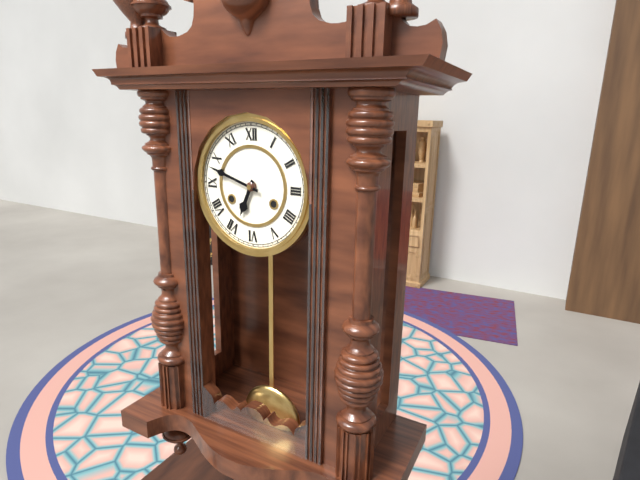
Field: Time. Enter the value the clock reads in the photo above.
6:48
